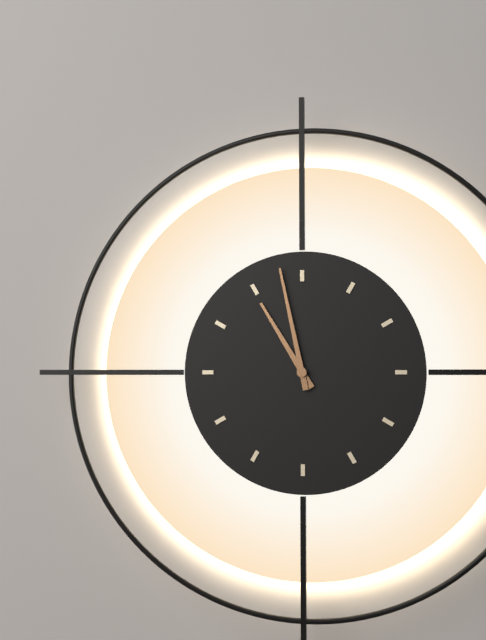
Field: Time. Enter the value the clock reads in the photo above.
10:58
